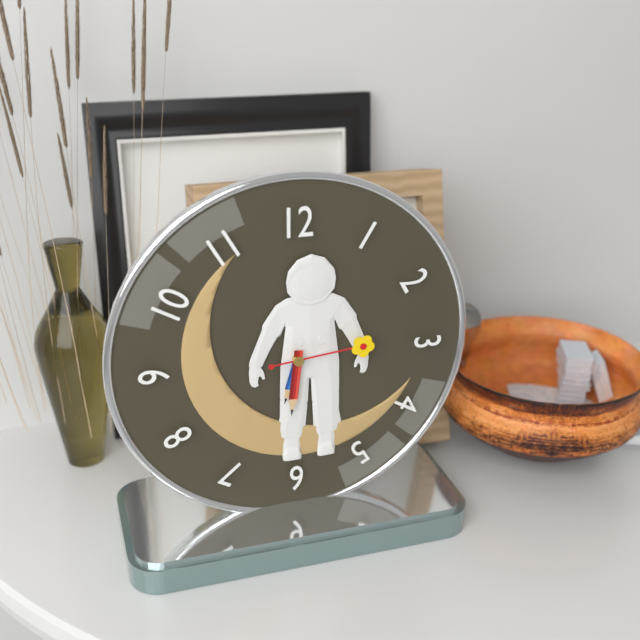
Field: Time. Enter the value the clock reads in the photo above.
6:31:14
